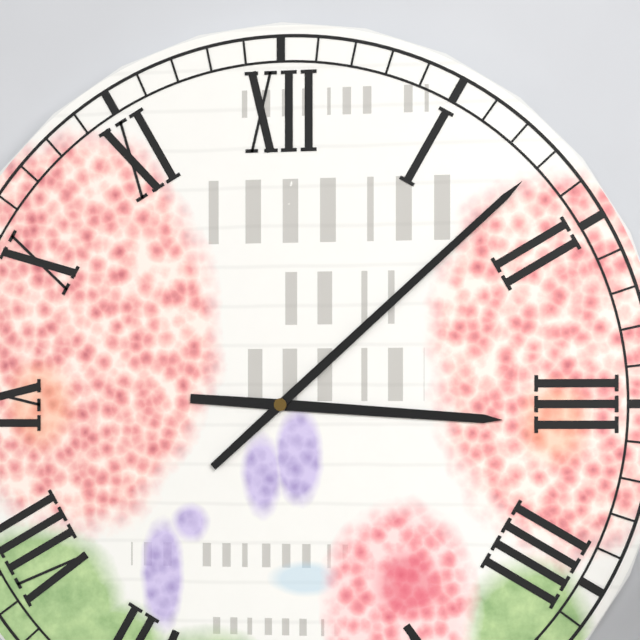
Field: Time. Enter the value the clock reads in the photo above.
3:08
